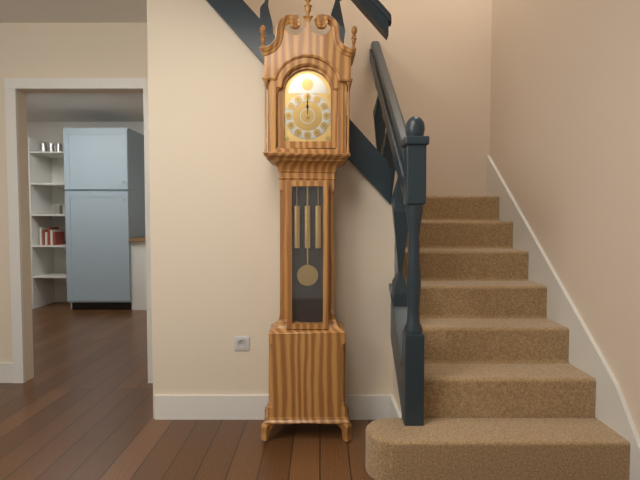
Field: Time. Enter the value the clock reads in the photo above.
12:00
